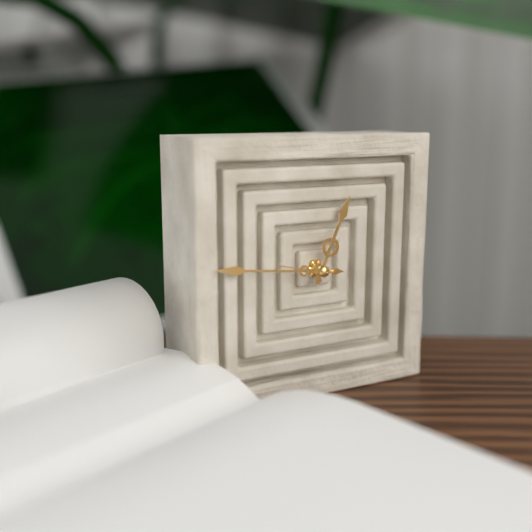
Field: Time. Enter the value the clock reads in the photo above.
12:46:47
